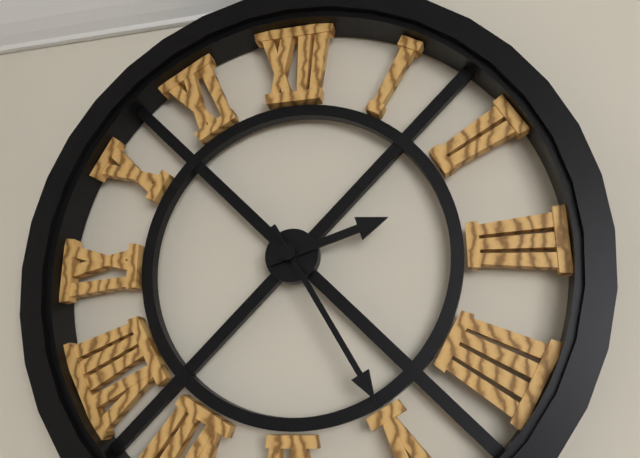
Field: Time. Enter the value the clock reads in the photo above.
2:25
